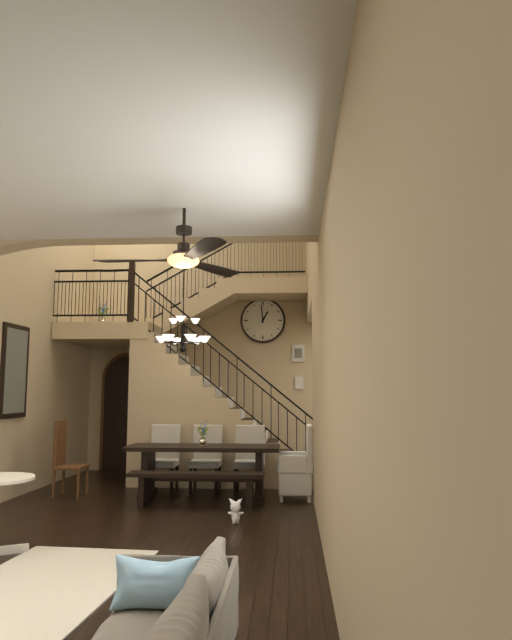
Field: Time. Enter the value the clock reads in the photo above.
12:59
